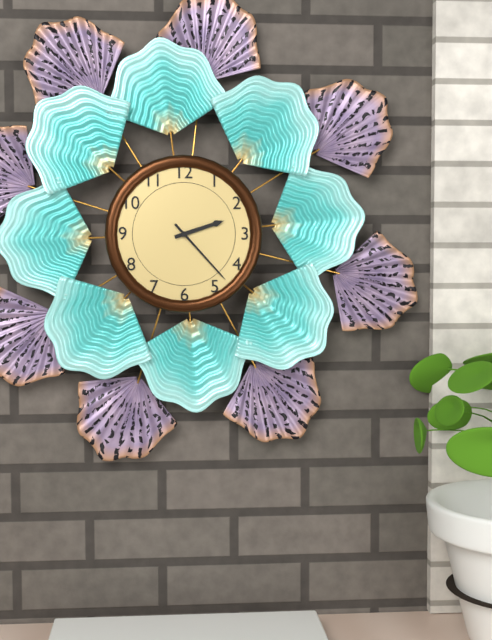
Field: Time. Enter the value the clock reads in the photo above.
2:23
